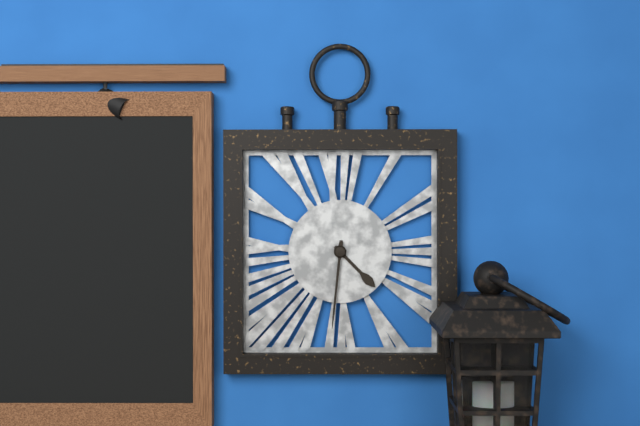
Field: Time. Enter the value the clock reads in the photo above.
4:31
